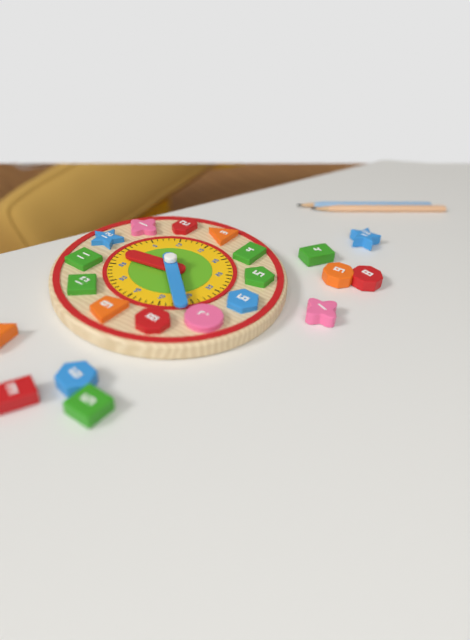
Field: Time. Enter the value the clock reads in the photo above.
11:37
